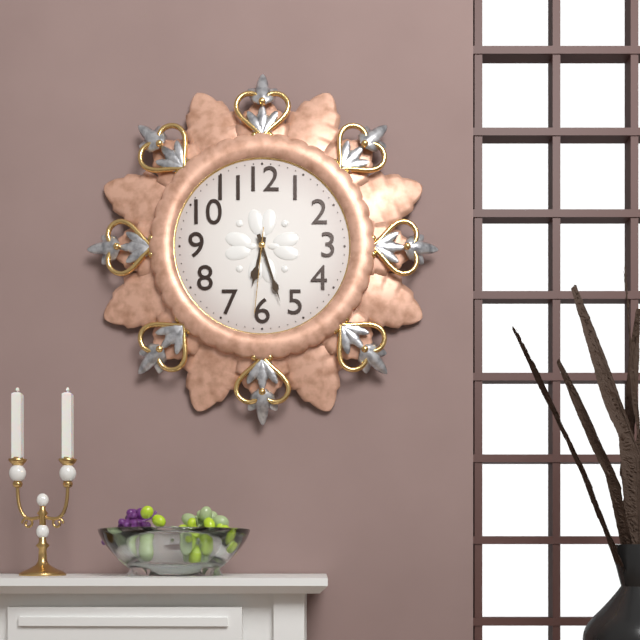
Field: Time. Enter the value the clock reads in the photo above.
6:27:31
